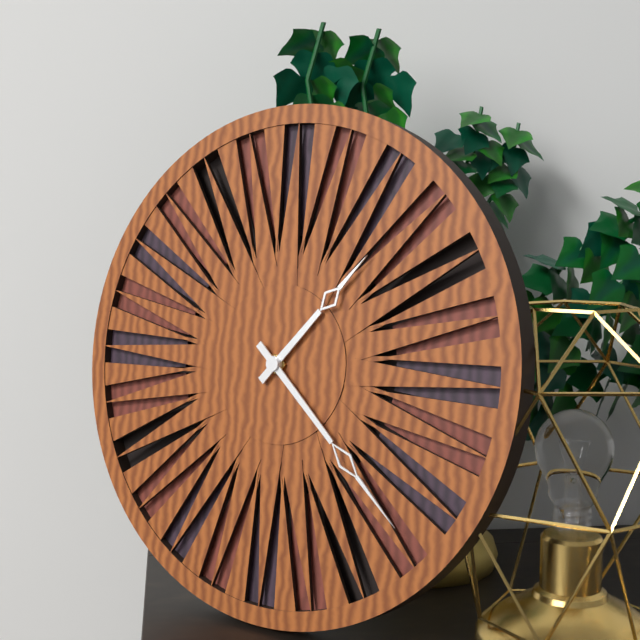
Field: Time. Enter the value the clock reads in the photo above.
1:22
